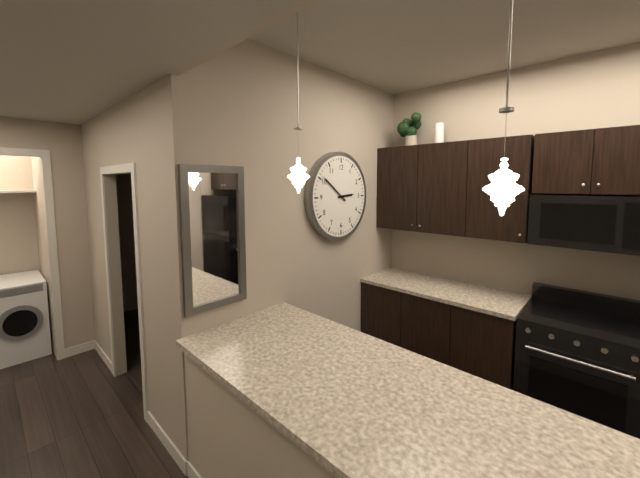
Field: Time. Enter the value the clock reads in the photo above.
2:51
